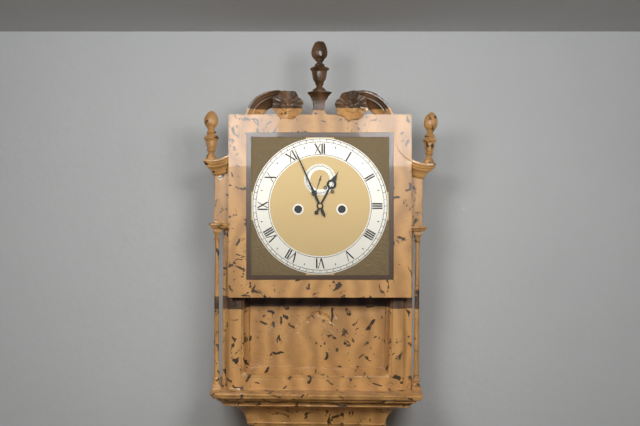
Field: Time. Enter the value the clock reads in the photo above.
12:56
